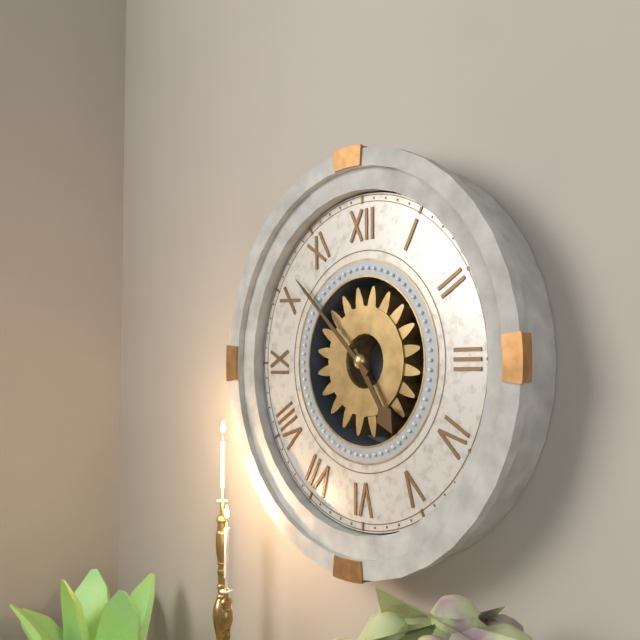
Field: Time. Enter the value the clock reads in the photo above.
4:52
